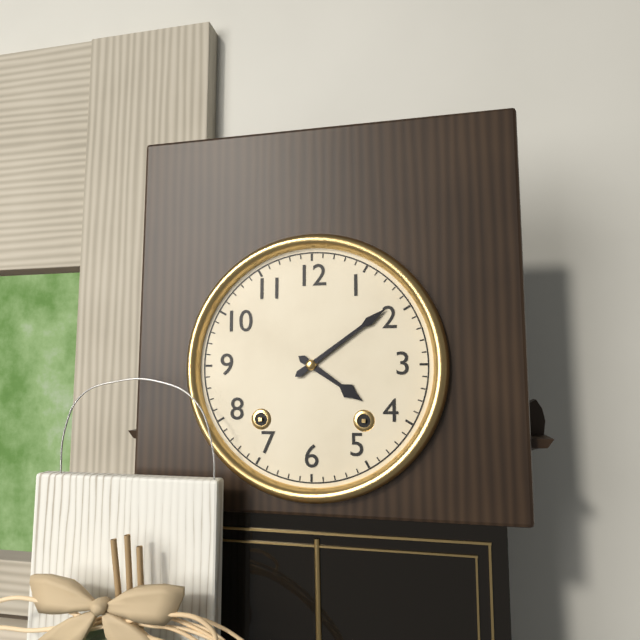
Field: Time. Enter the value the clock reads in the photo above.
4:09
